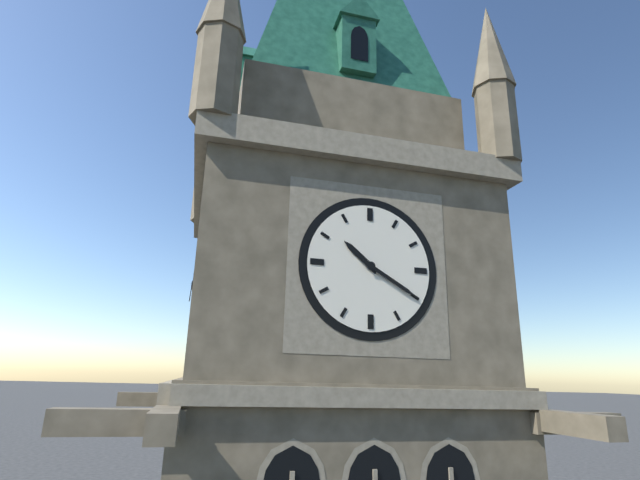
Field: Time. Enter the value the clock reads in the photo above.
10:20
